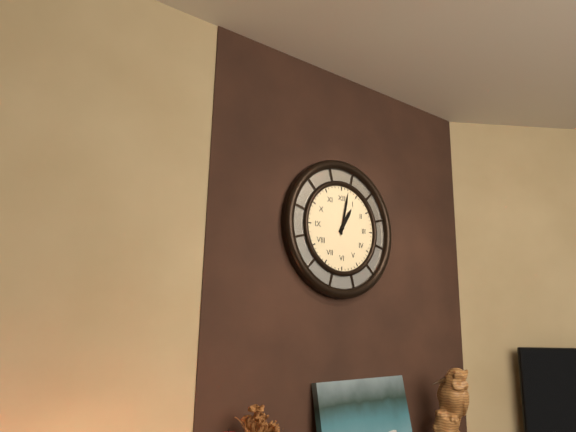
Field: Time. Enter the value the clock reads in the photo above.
1:02
